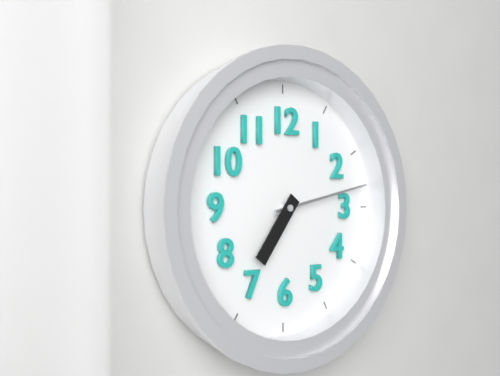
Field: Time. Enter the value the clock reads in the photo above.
7:13
